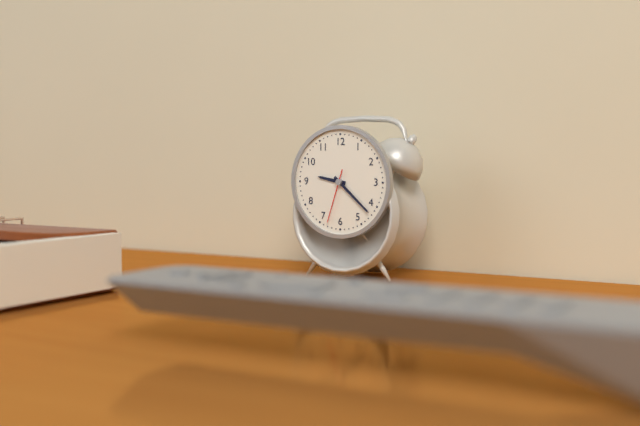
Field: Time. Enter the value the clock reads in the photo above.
9:22:33
